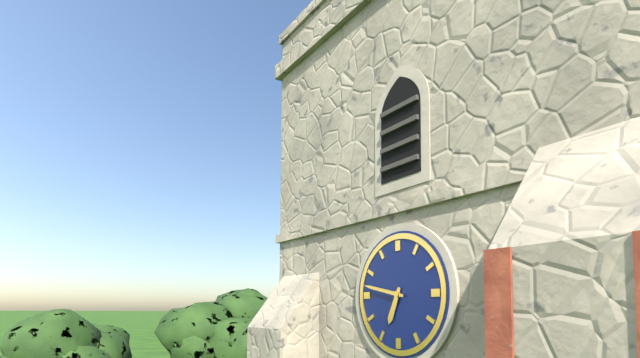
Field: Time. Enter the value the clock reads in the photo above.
6:47
